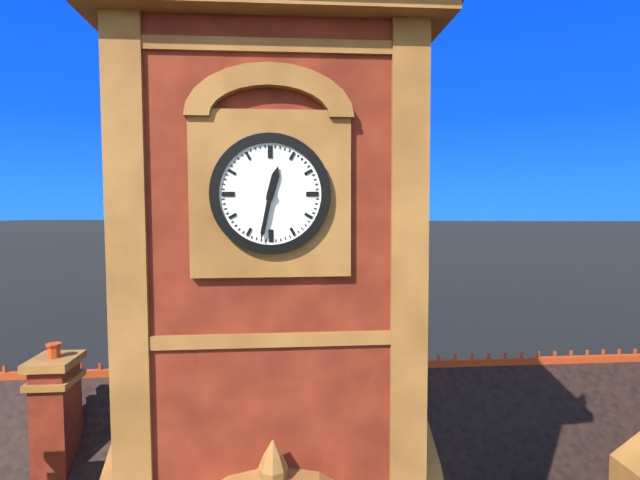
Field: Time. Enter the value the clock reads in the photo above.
12:32
